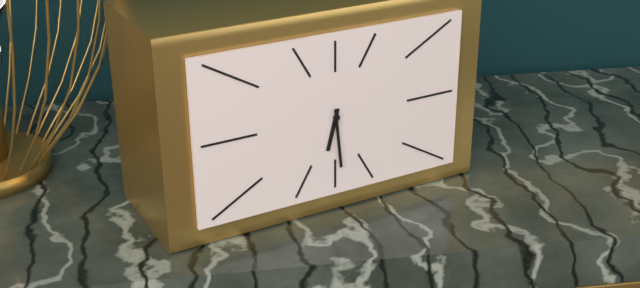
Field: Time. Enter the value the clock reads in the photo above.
6:29
